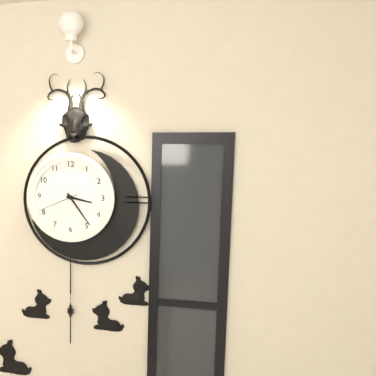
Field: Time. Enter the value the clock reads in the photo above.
3:24
